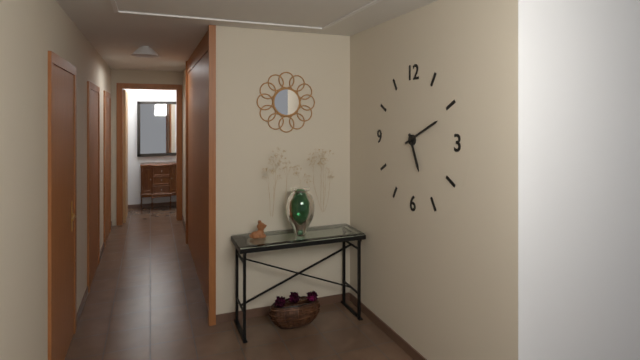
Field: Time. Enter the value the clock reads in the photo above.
5:11
